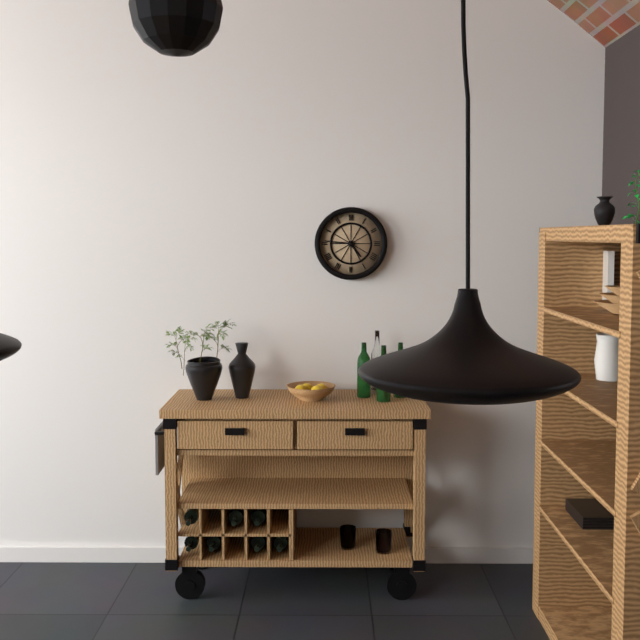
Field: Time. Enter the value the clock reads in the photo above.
4:46
